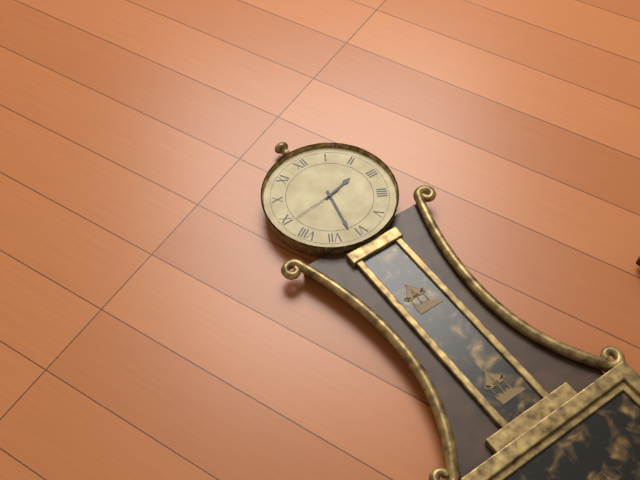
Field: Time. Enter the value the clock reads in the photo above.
2:32
